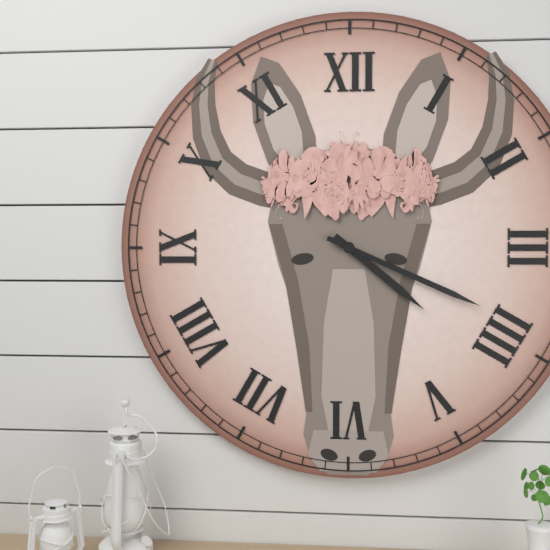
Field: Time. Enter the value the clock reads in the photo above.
4:19
